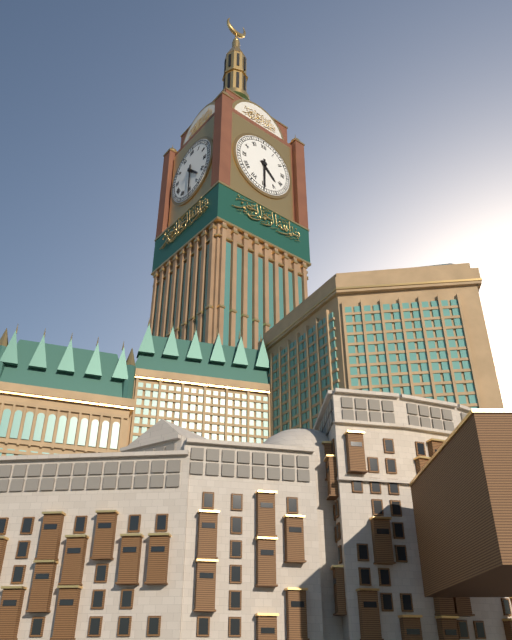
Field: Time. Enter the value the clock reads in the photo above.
4:30
